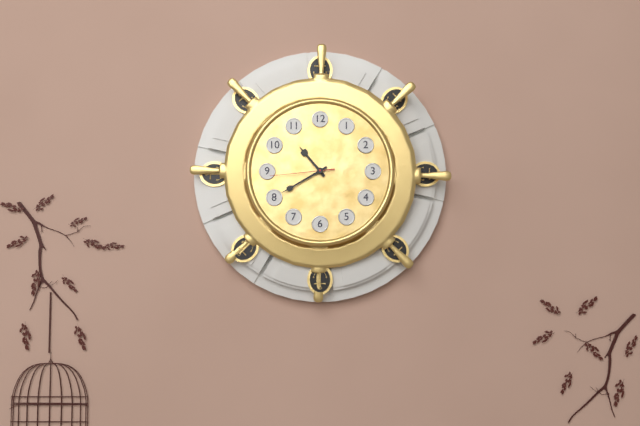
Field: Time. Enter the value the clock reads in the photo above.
10:40:44
